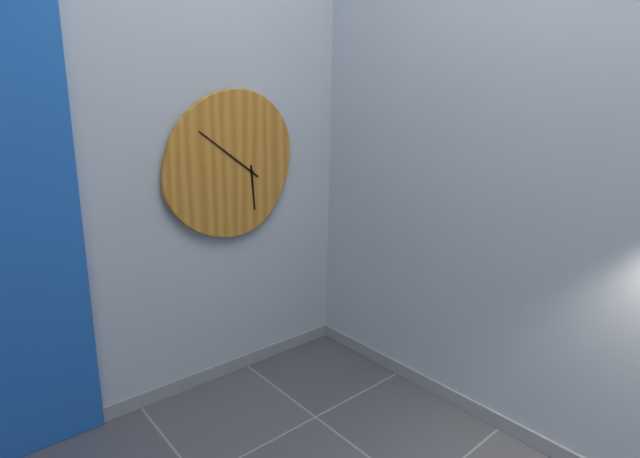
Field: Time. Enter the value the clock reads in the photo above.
5:51
